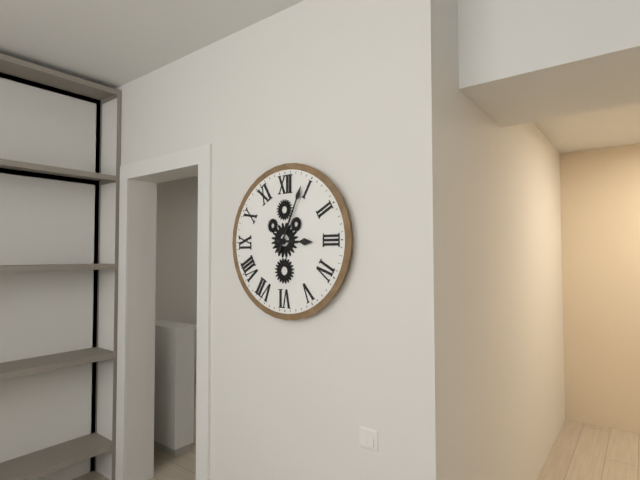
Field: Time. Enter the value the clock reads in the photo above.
3:04
